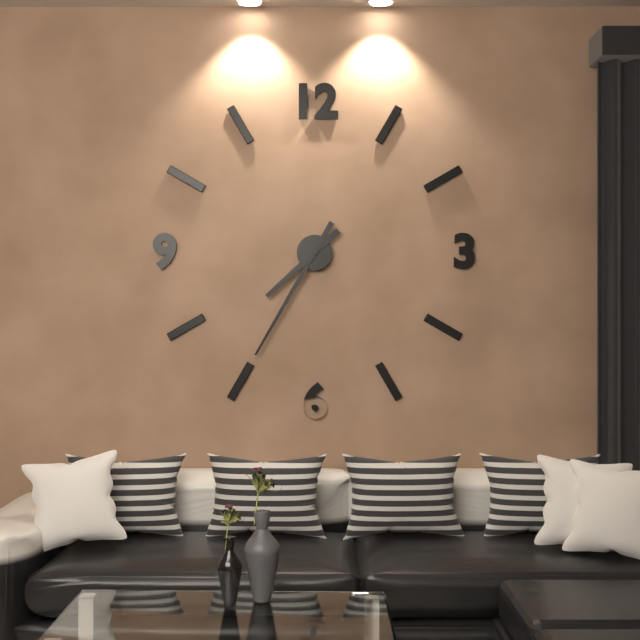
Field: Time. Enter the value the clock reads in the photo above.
7:35
